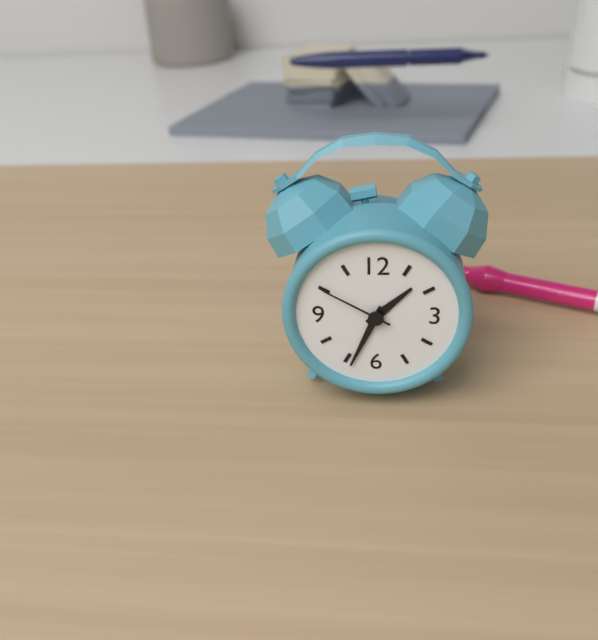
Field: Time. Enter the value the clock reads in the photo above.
1:34:50
